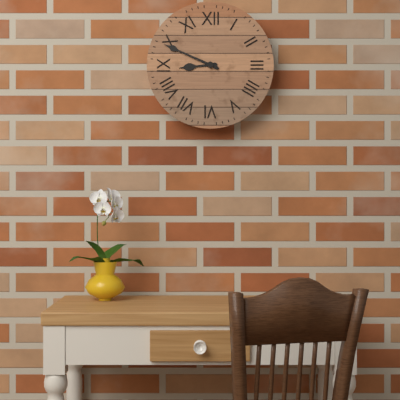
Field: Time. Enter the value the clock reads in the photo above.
8:49
